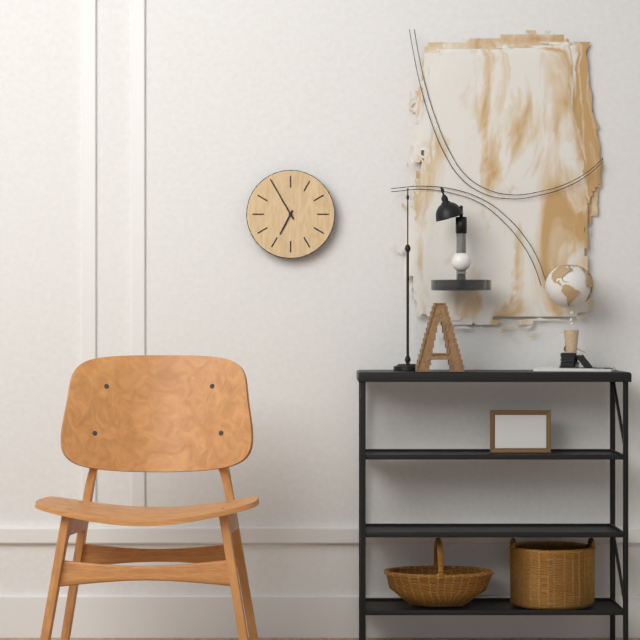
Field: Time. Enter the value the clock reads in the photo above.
6:55
